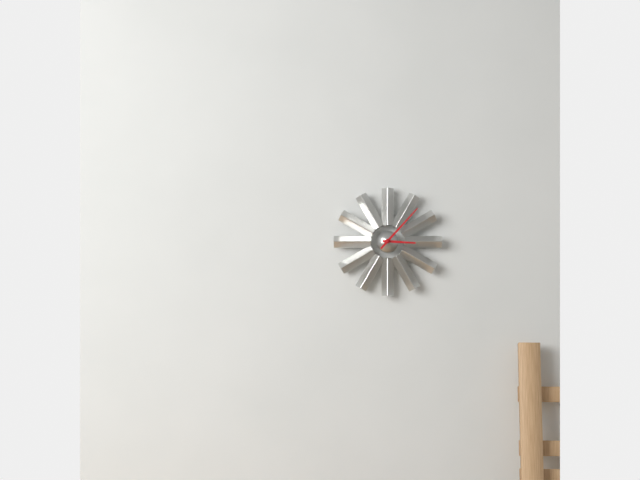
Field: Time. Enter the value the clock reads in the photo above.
3:07
